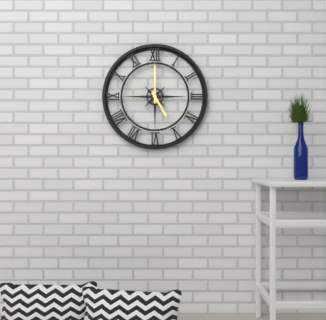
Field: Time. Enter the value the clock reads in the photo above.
5:00
